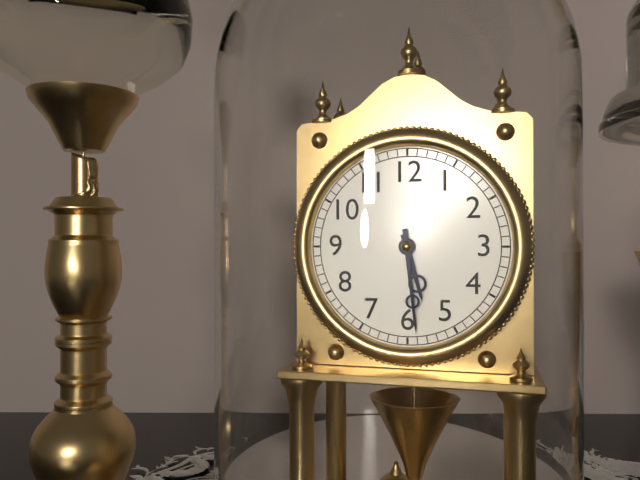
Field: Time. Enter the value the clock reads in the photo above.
5:29
